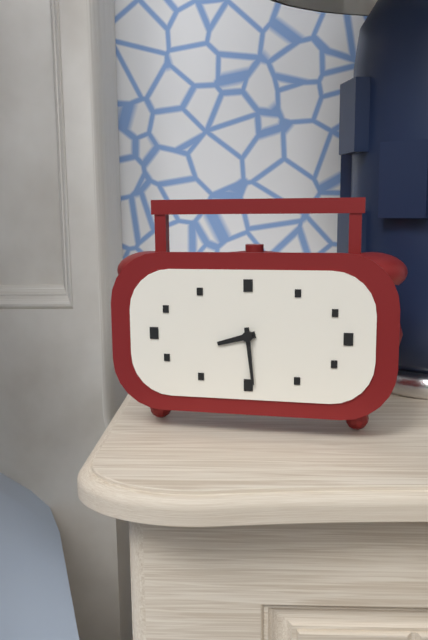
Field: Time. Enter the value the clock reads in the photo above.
8:29
